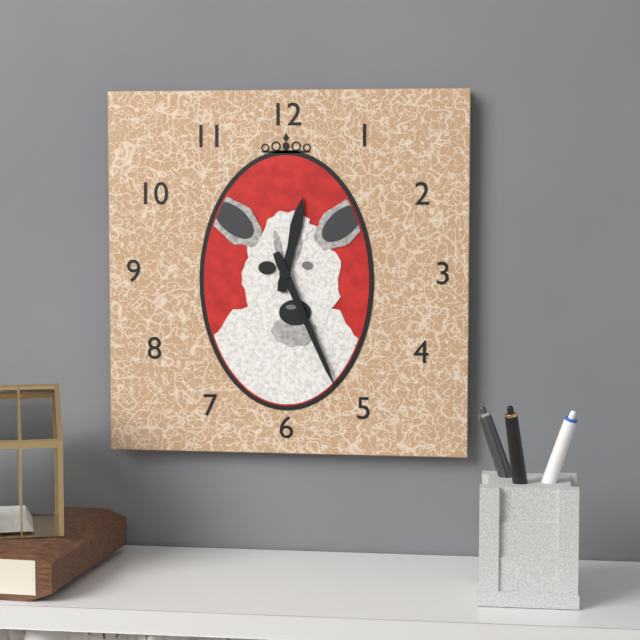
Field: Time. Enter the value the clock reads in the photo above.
12:26
